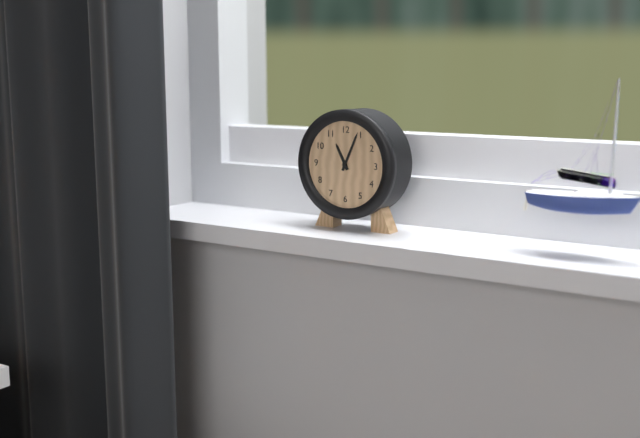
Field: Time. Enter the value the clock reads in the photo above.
11:04
